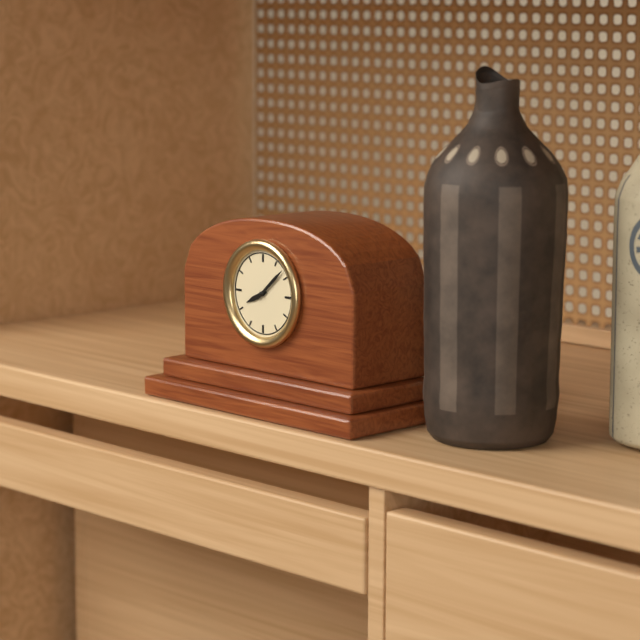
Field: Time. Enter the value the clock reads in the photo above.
8:08
